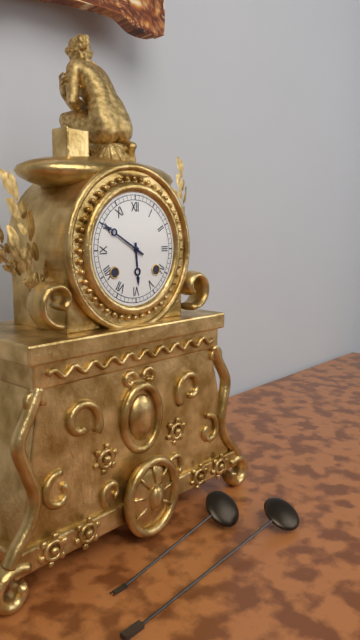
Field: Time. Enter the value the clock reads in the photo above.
5:50
